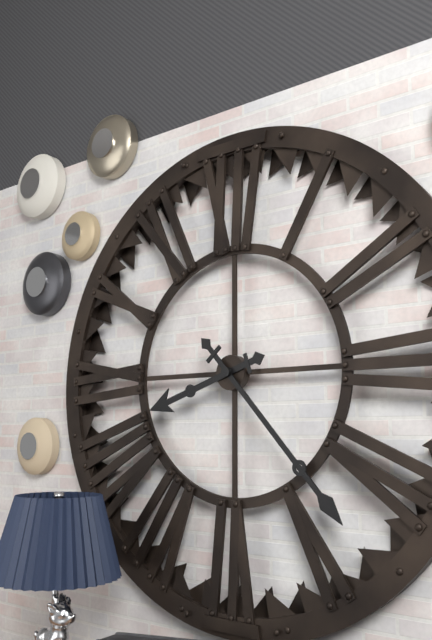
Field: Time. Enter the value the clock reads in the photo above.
8:23
